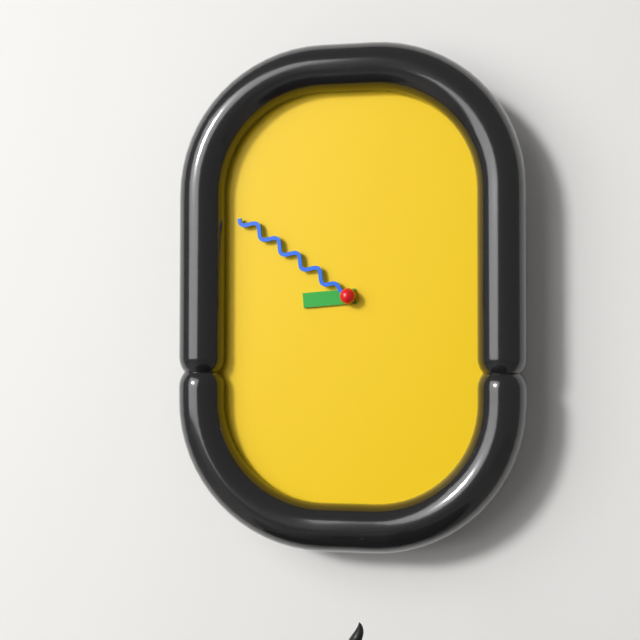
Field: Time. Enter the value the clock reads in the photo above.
8:51
